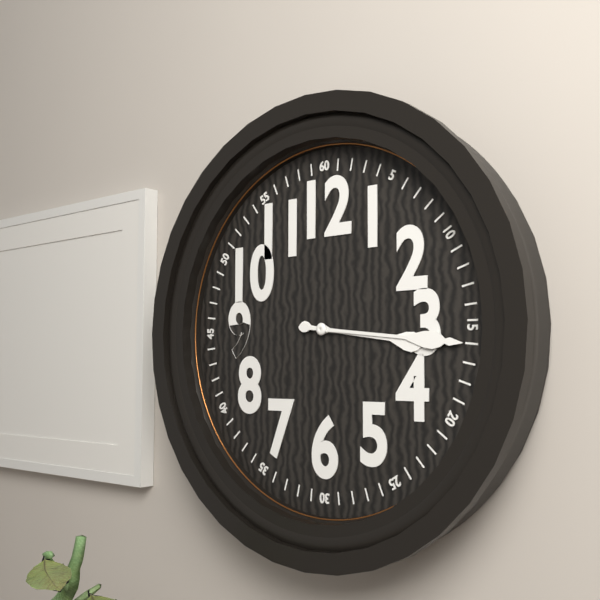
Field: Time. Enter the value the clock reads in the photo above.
3:16
